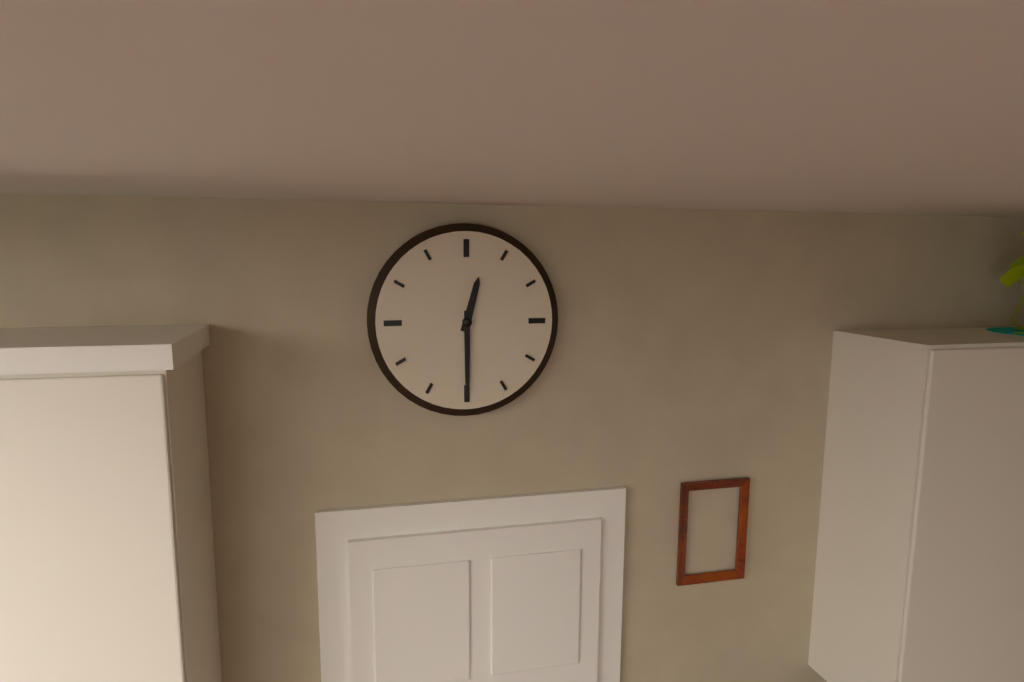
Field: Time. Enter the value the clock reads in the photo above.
12:30
